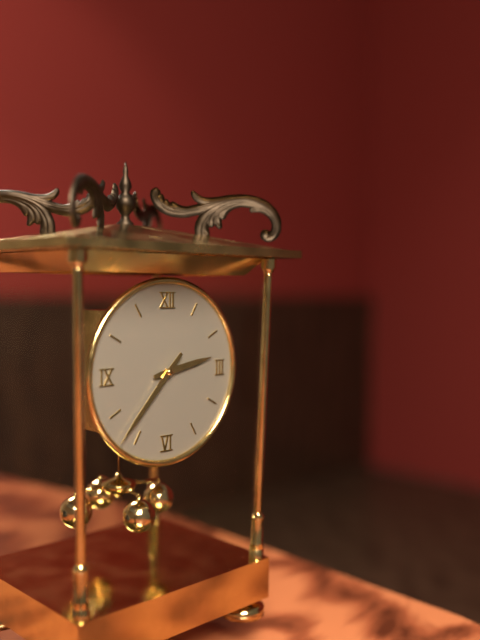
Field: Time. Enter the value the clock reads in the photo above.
2:37
